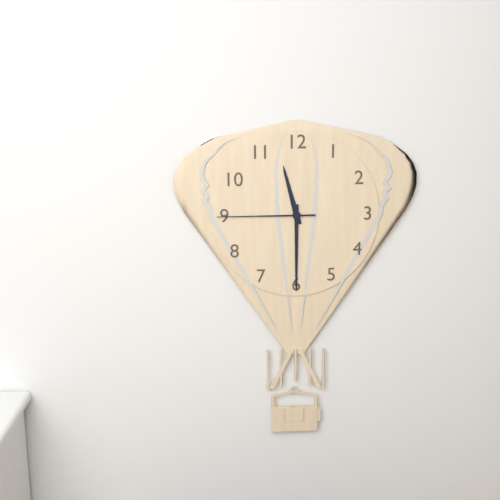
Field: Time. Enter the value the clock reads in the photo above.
11:30:45
